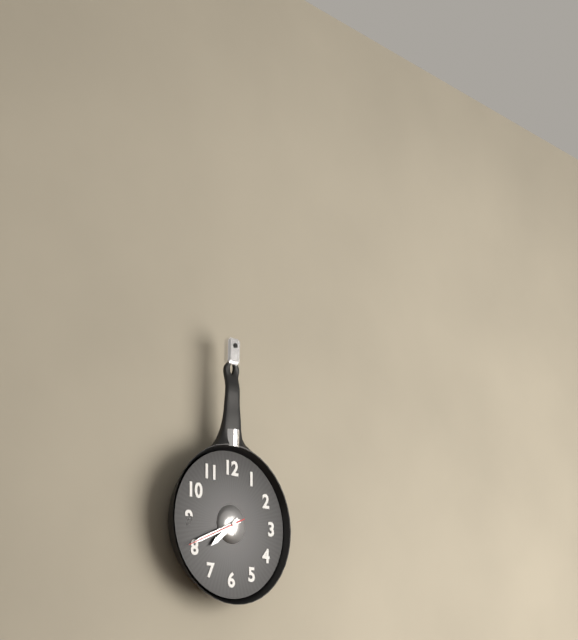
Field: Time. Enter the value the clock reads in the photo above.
7:41:41
